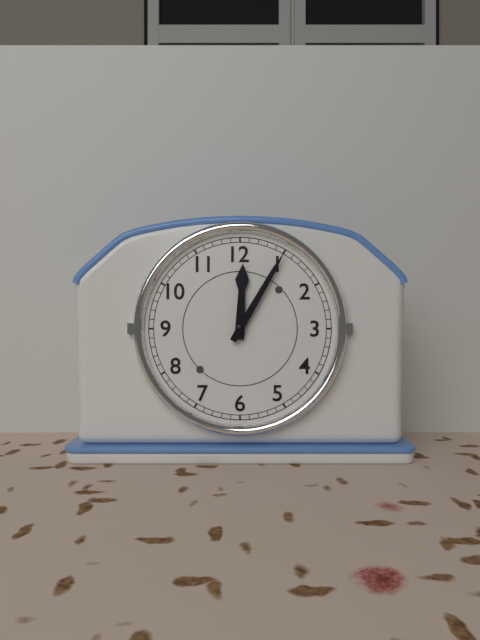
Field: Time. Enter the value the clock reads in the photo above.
12:05
